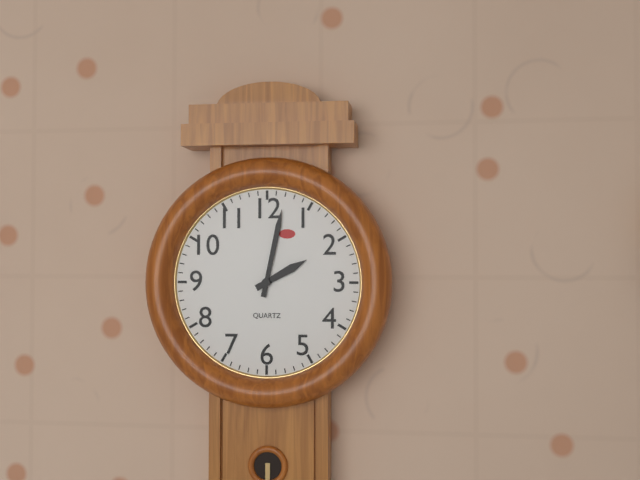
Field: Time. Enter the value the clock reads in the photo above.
2:02
